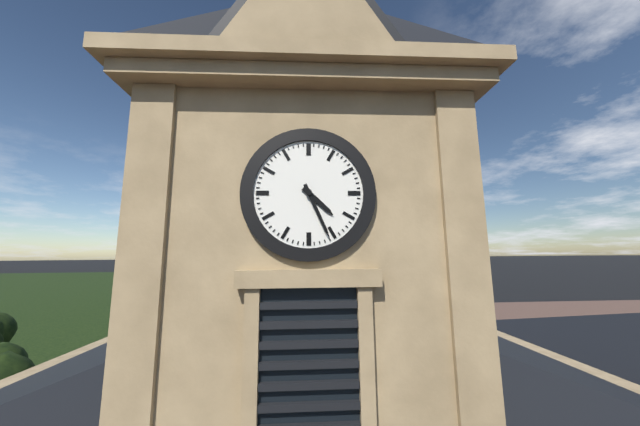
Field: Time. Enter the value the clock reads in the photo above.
4:26
